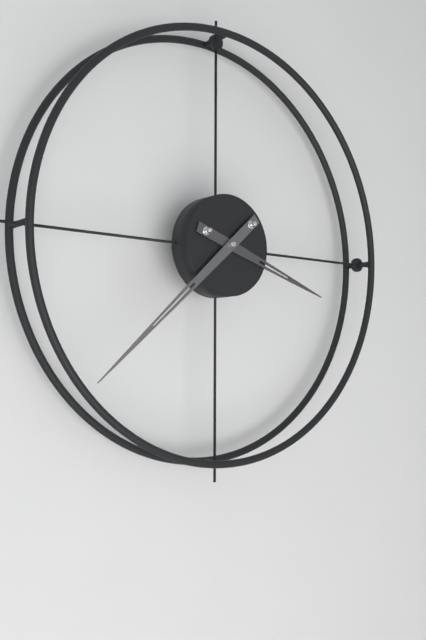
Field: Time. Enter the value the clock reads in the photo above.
3:38
